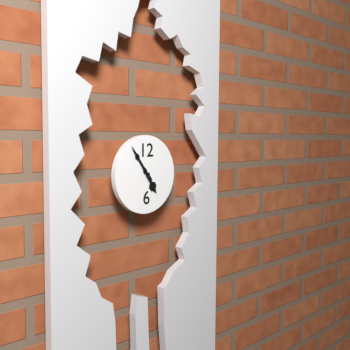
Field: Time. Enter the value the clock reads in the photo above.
4:54
